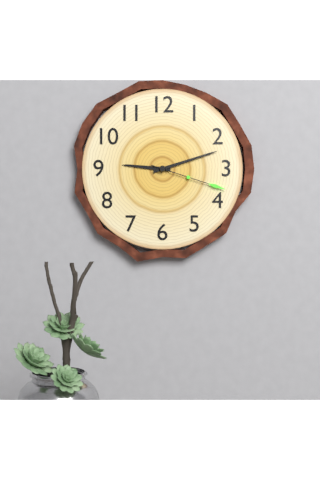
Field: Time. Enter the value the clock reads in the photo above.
9:12:18
